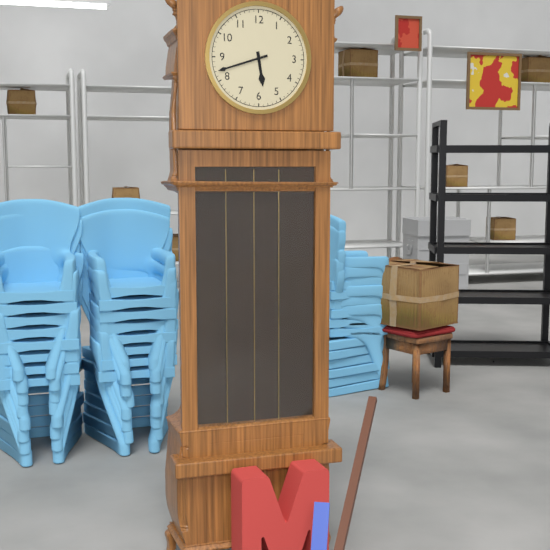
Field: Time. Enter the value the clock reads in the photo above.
5:42
